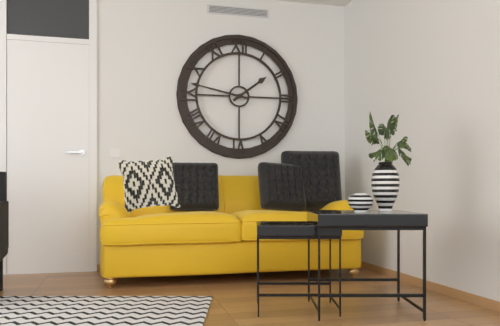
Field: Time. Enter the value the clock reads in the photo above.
1:47
